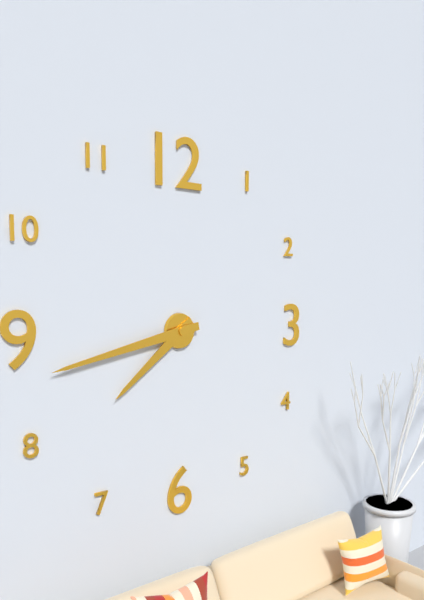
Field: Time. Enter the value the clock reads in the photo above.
7:43
